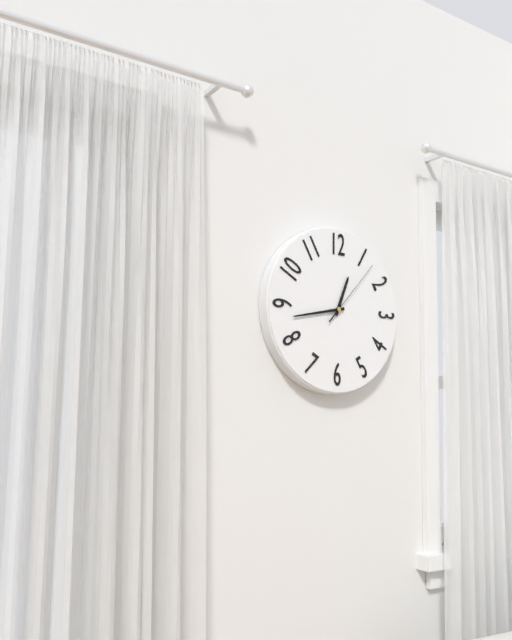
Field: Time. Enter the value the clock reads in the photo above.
12:43:07
